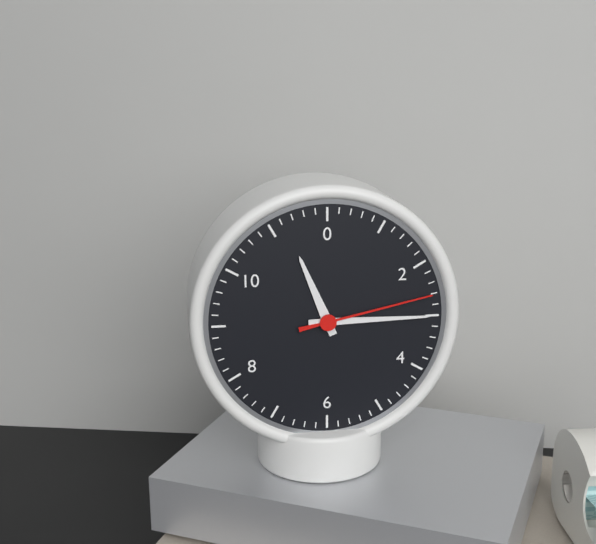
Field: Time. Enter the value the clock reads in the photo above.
11:15:13
